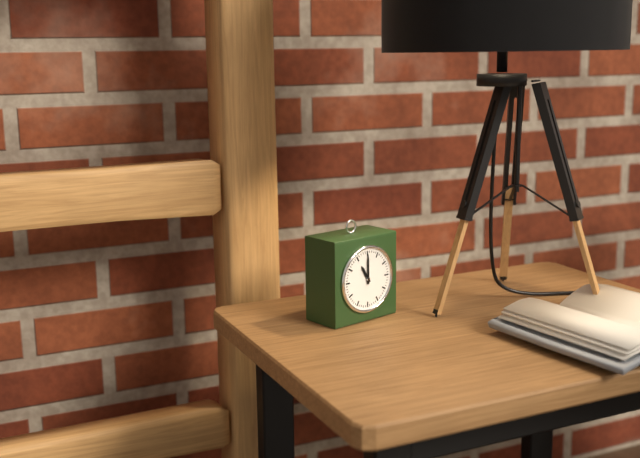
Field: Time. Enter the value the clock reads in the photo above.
11:00
